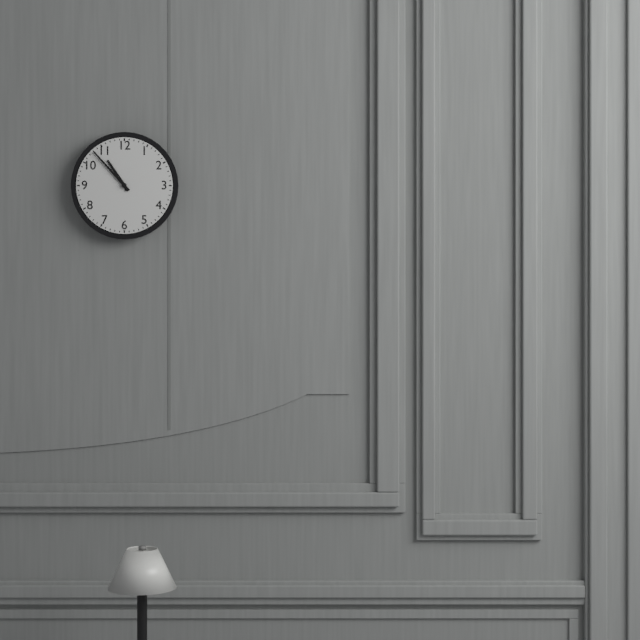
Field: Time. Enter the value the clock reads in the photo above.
10:53
